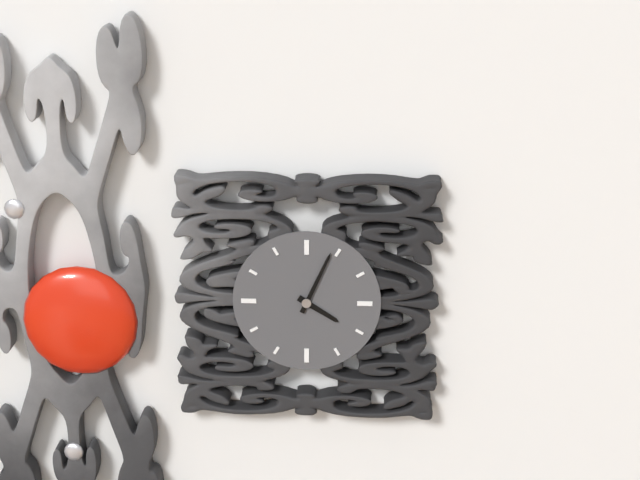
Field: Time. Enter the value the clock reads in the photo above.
4:04
